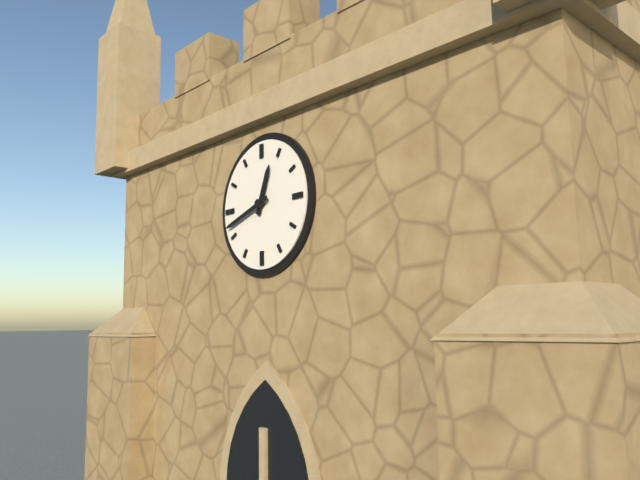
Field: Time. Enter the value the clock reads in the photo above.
12:42
